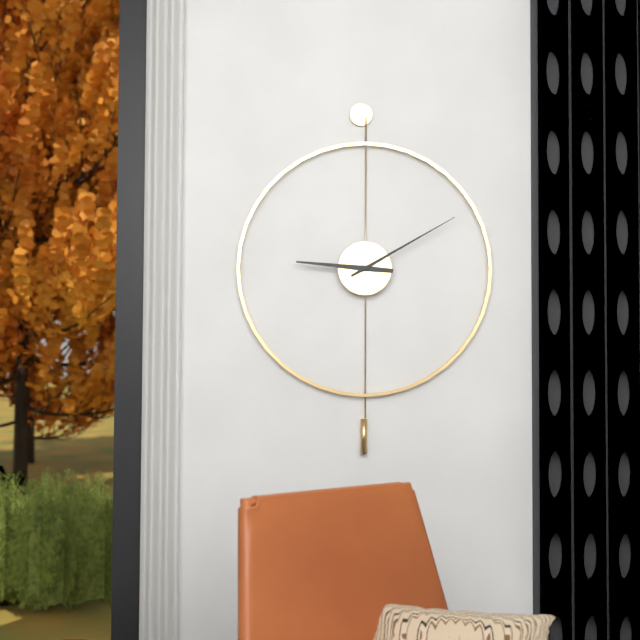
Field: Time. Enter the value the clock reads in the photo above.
9:10
